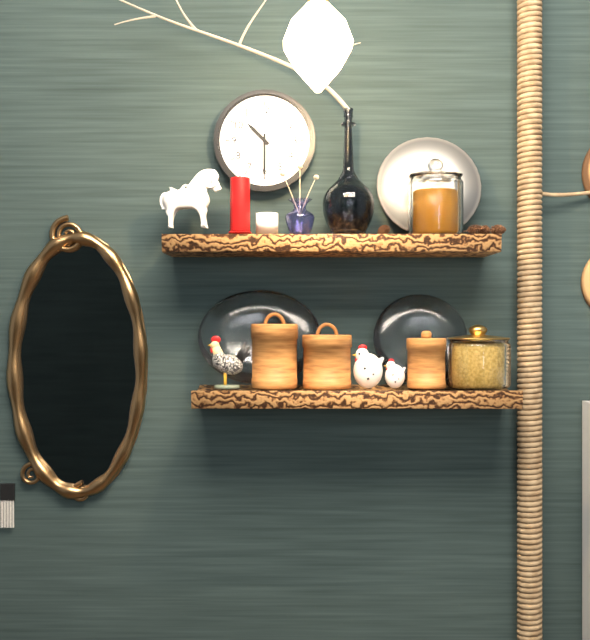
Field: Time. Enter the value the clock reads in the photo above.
10:30
